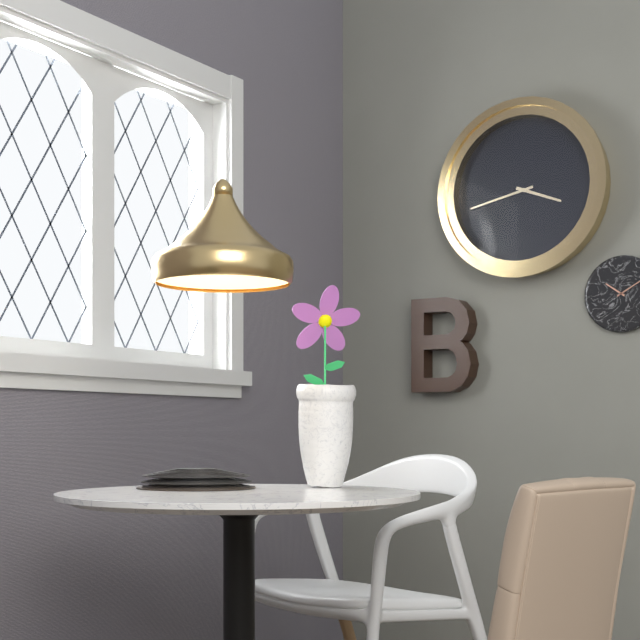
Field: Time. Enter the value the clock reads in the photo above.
3:43
